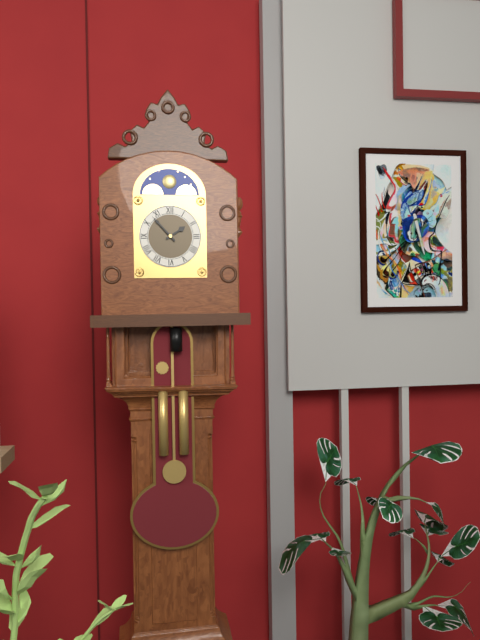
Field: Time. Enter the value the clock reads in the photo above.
1:53
